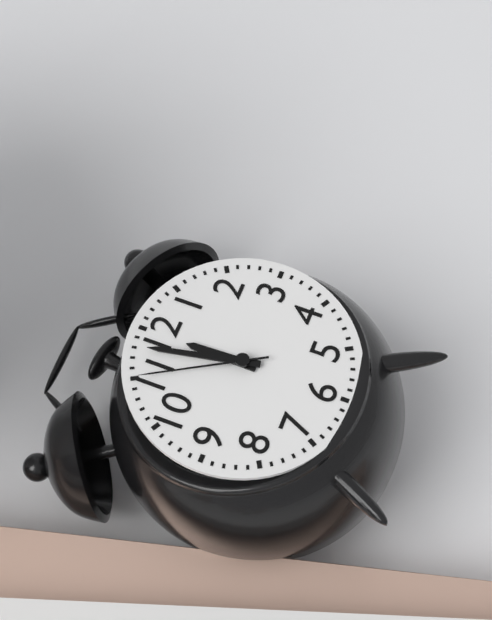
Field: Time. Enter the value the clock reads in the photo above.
11:58:55
